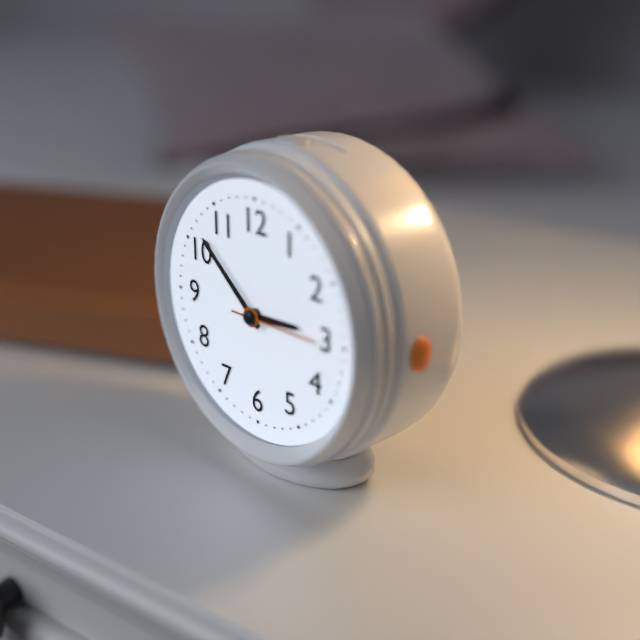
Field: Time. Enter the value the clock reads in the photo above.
2:52:15
